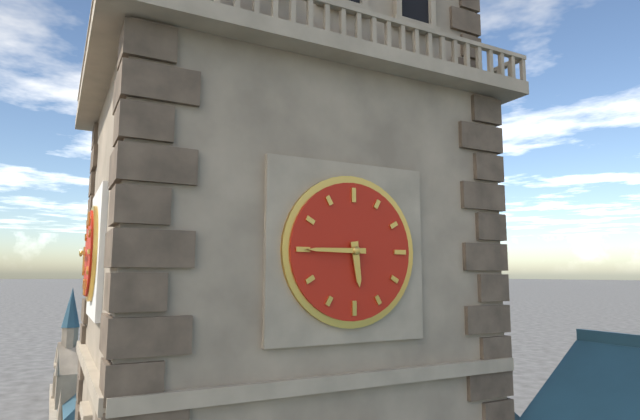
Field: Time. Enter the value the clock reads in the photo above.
5:45
